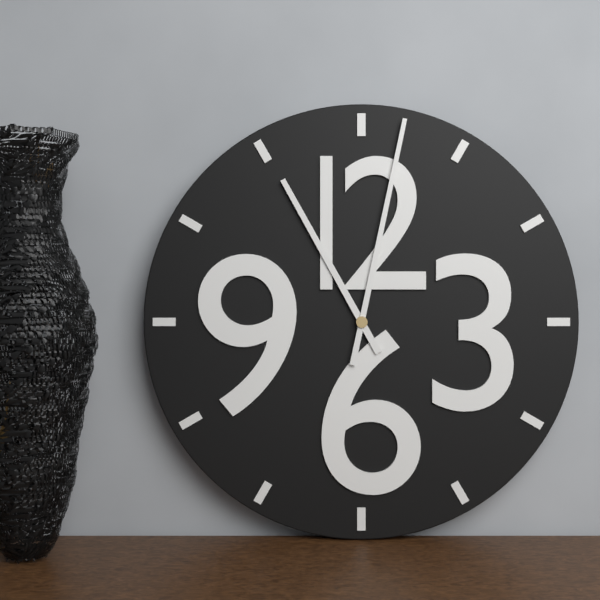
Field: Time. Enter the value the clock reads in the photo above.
11:02
